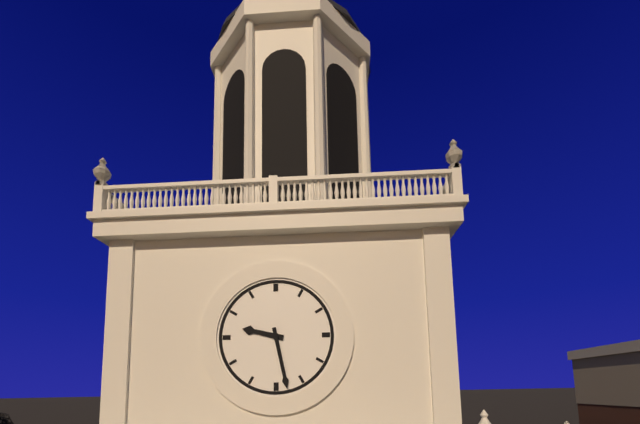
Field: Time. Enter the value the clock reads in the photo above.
9:28
